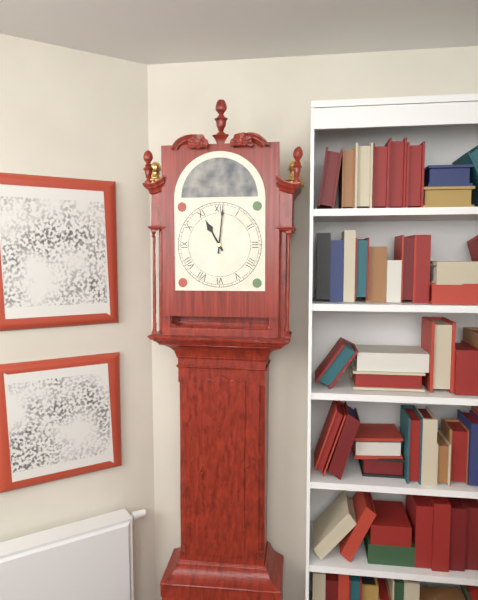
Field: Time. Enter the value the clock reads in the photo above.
11:01
